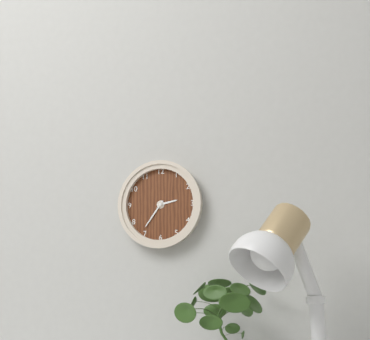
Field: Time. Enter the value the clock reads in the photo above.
2:36
